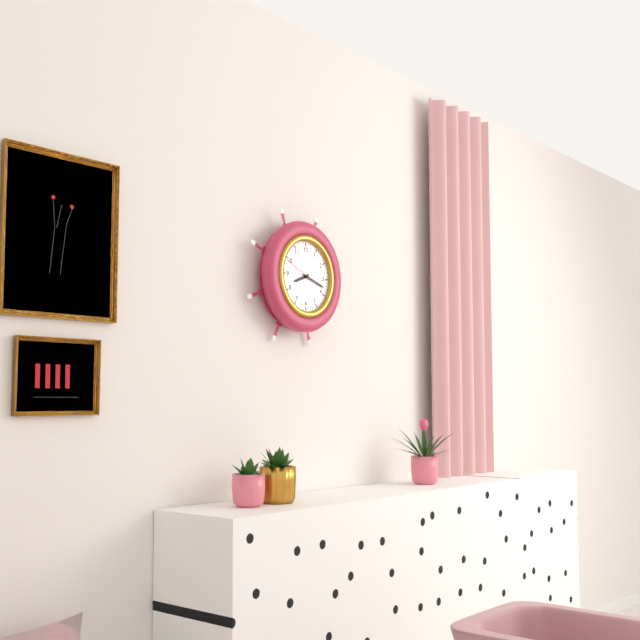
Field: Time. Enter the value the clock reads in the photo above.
8:18
